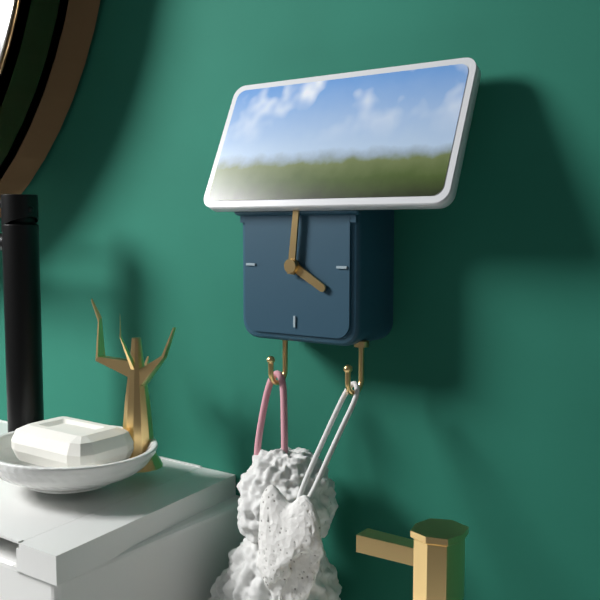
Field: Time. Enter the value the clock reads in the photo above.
4:01
